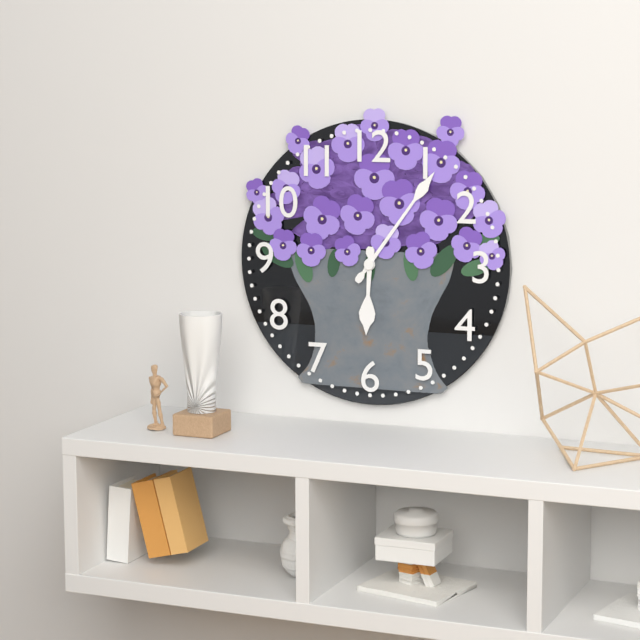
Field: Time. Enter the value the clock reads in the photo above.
6:06
